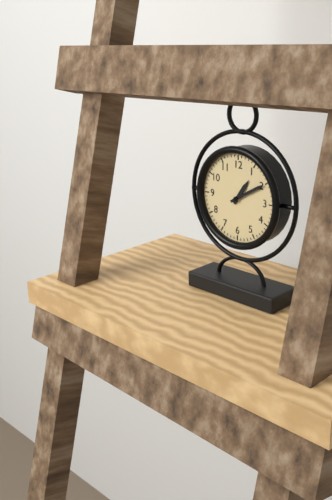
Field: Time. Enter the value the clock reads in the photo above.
1:10
